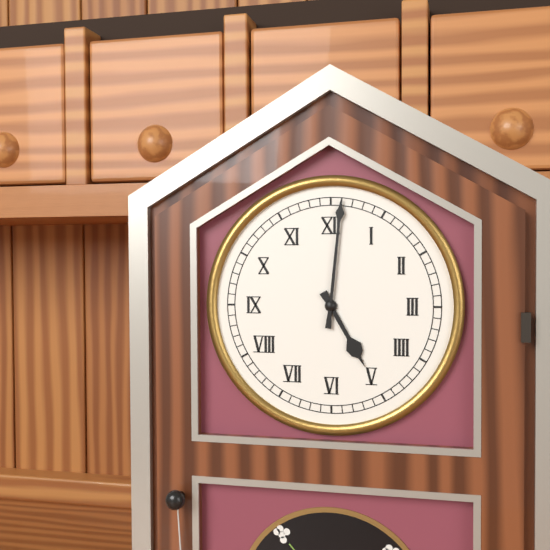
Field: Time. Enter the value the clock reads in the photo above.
5:01
